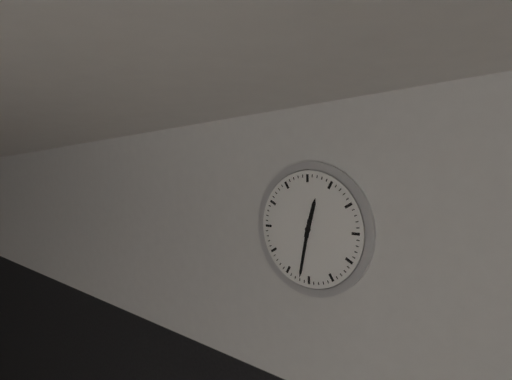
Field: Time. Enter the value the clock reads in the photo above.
12:32
